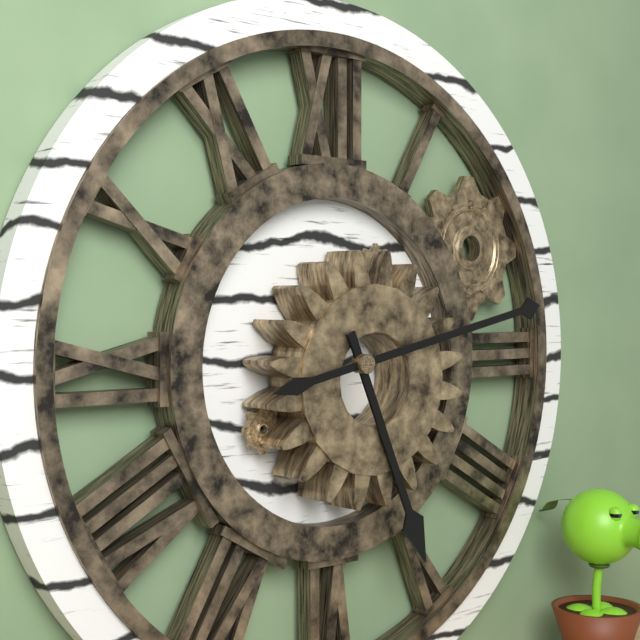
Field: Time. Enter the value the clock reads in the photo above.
5:13
